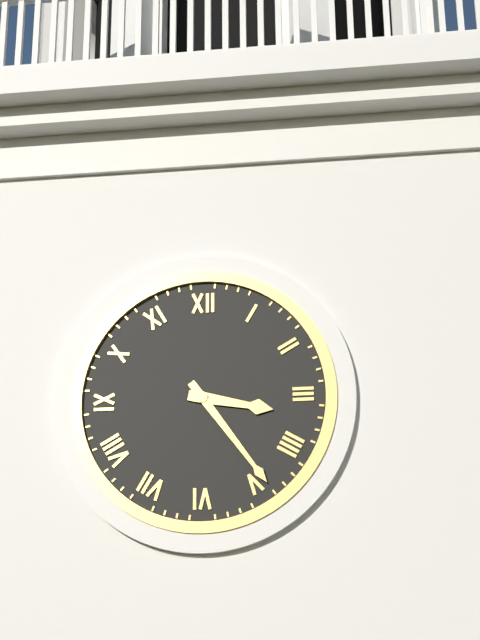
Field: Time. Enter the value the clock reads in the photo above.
3:24
